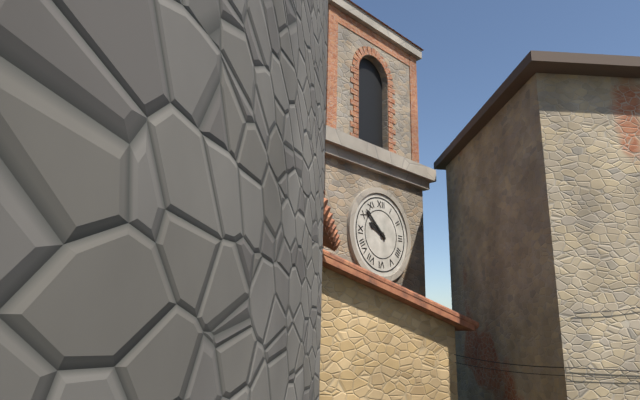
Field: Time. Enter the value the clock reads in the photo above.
9:52
